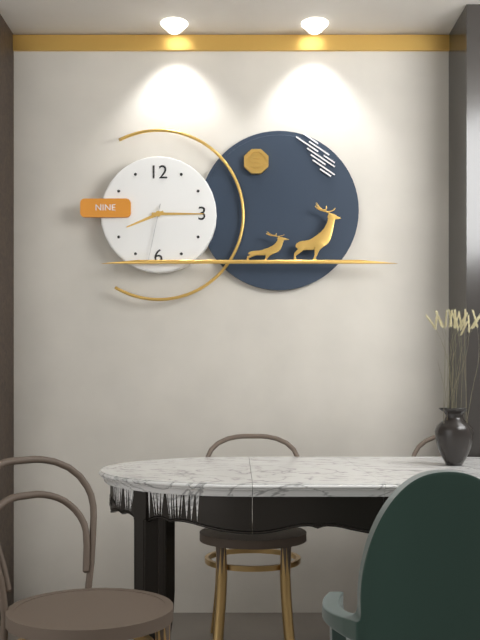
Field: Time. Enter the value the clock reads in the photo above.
8:15:32
